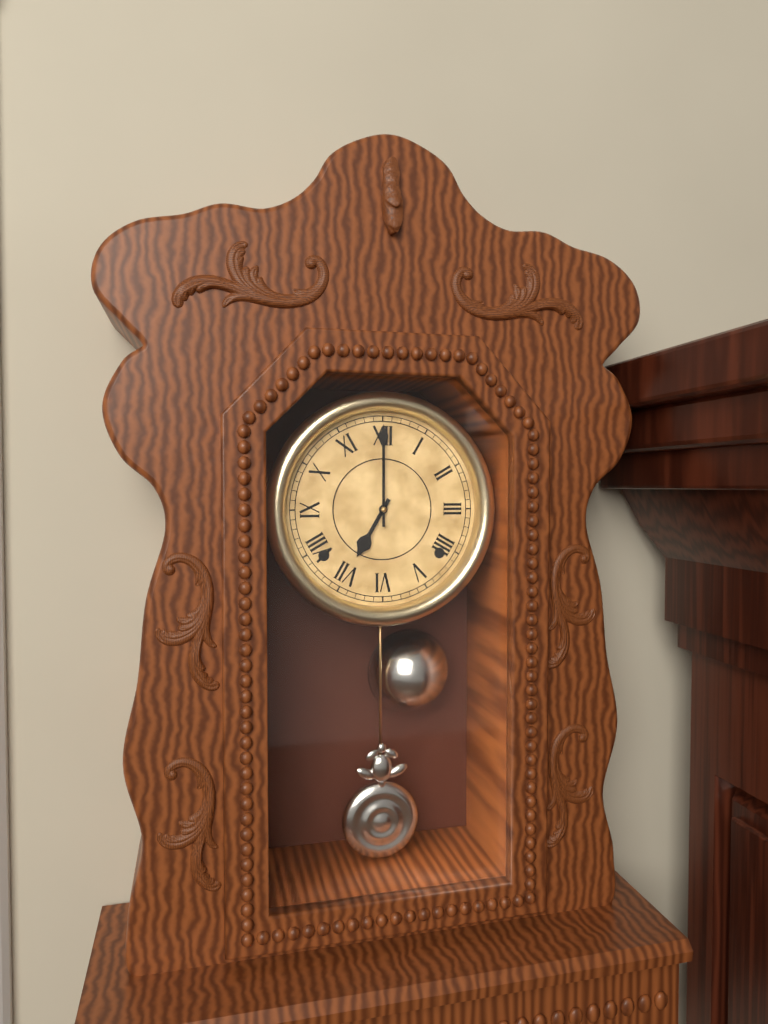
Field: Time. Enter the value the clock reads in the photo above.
7:00
